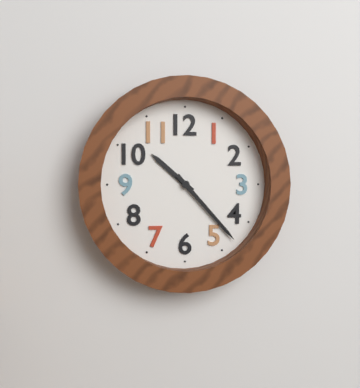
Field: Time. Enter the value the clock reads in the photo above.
10:23
